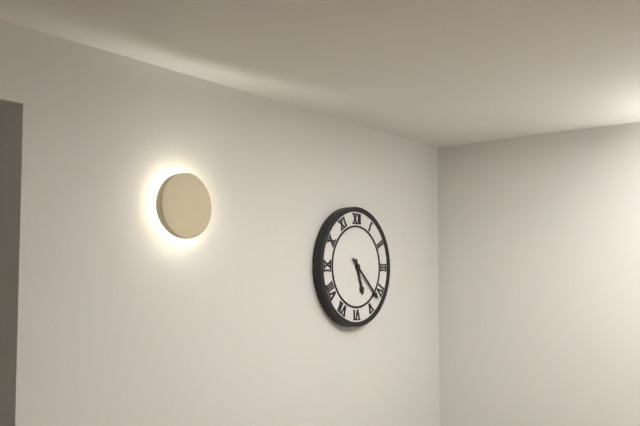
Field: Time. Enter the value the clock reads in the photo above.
5:22
